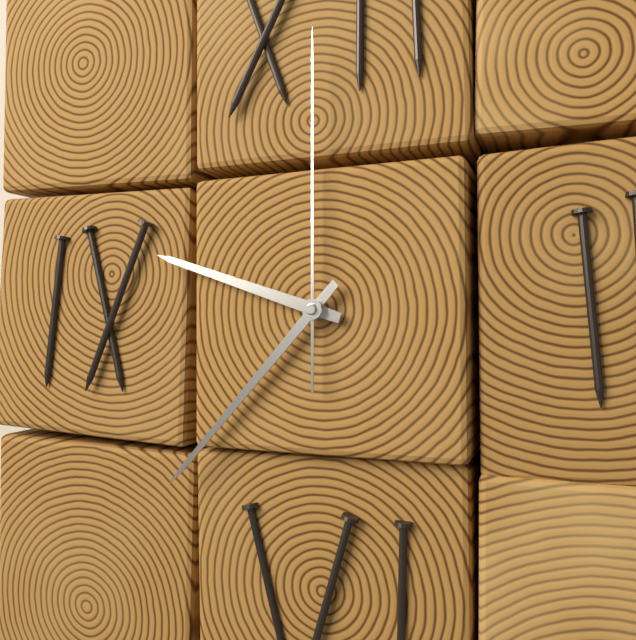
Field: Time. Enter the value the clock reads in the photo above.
9:37:00
